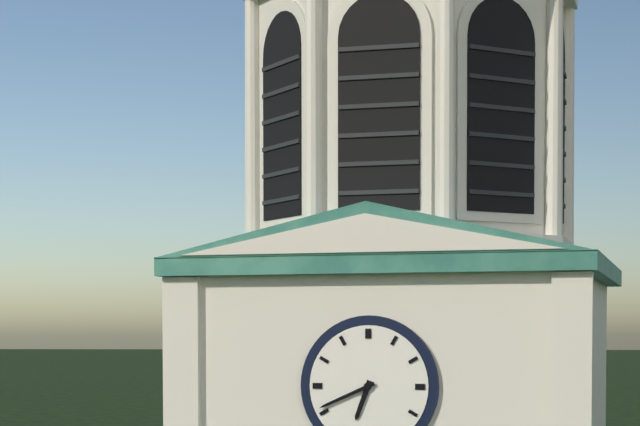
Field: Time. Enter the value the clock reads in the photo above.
6:41
